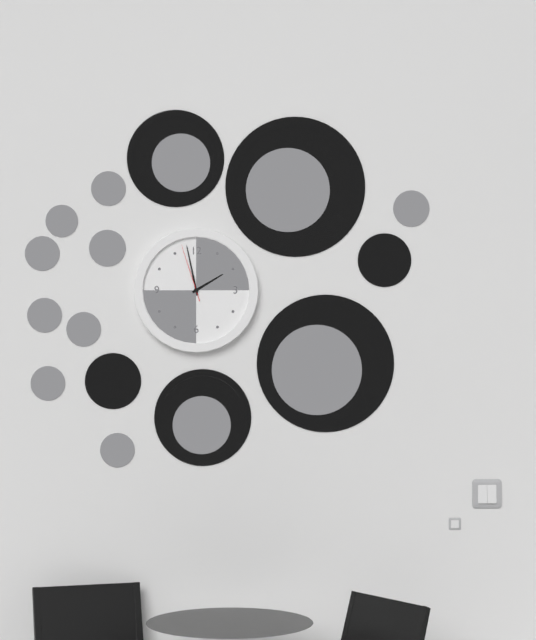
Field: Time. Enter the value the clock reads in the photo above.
1:58:57
